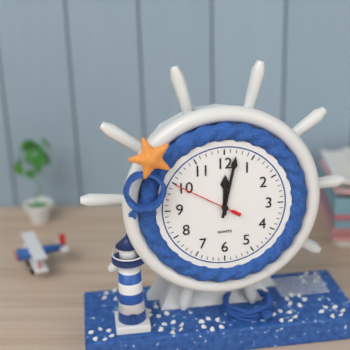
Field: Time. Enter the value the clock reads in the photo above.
12:02:50
